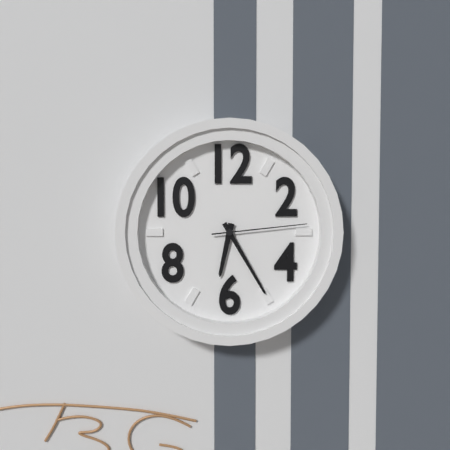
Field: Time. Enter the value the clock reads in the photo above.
6:25:14
